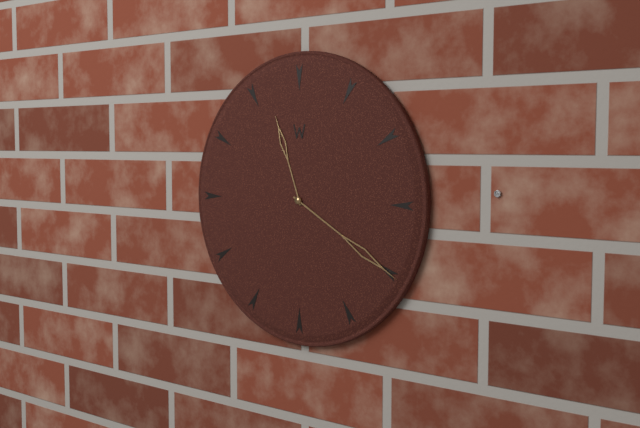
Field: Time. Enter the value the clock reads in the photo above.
11:20
